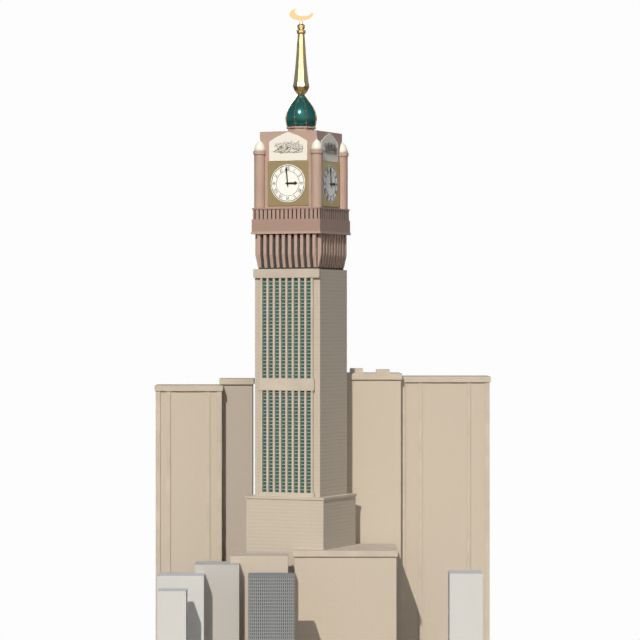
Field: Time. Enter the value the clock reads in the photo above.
2:59
